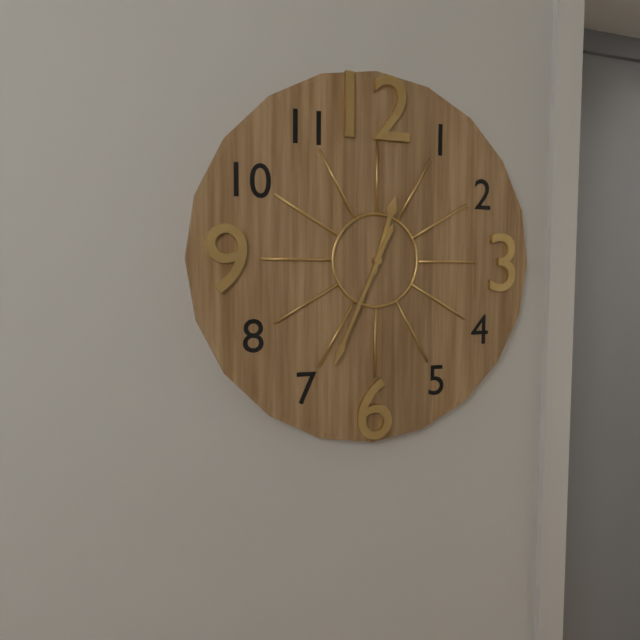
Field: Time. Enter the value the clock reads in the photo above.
12:34
